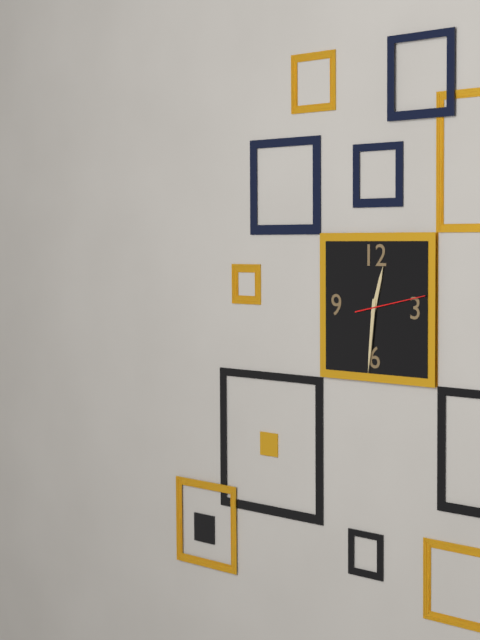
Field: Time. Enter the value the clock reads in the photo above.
12:31:13
